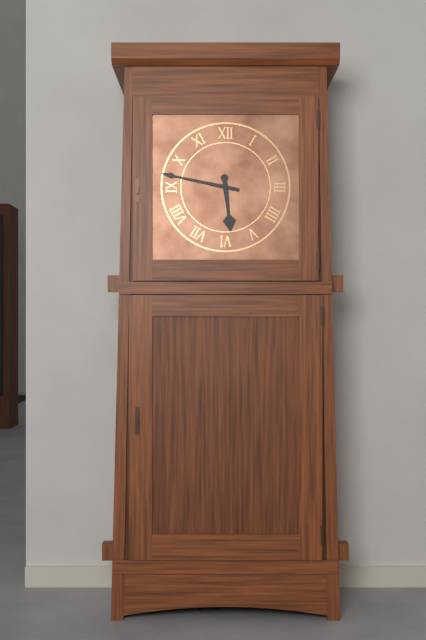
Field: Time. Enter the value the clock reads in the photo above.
5:47
